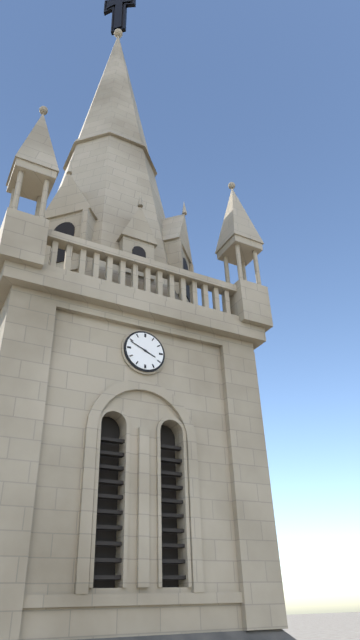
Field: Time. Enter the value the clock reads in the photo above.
3:49
